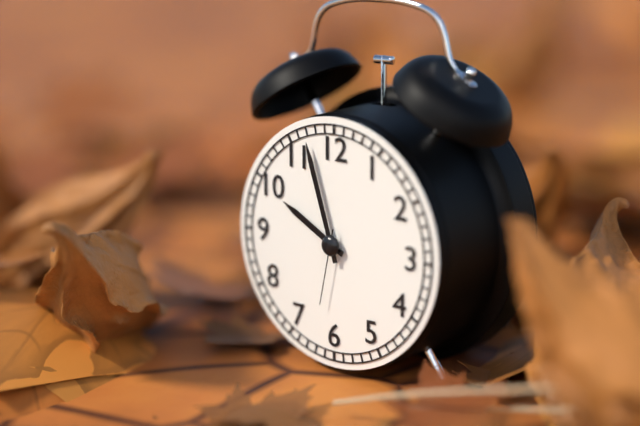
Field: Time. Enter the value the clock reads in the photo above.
9:57:32
